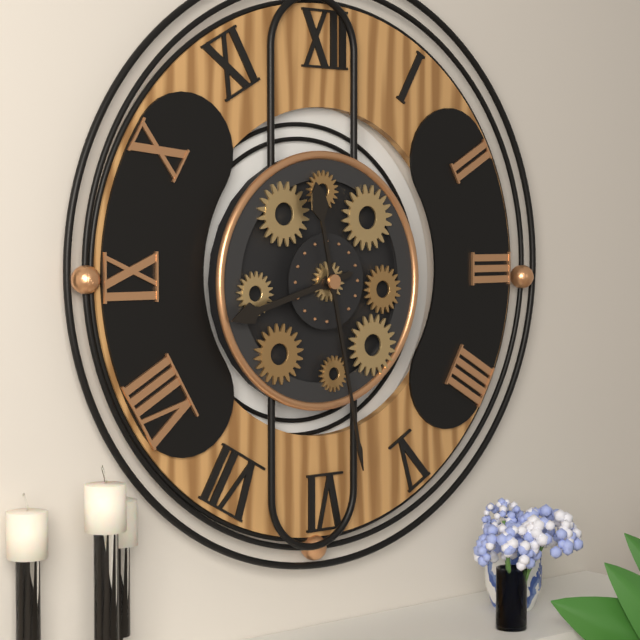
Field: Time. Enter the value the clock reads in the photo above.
8:28
